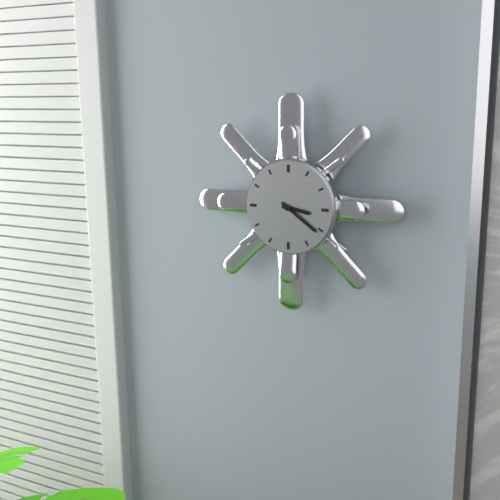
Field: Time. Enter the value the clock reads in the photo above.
3:21
